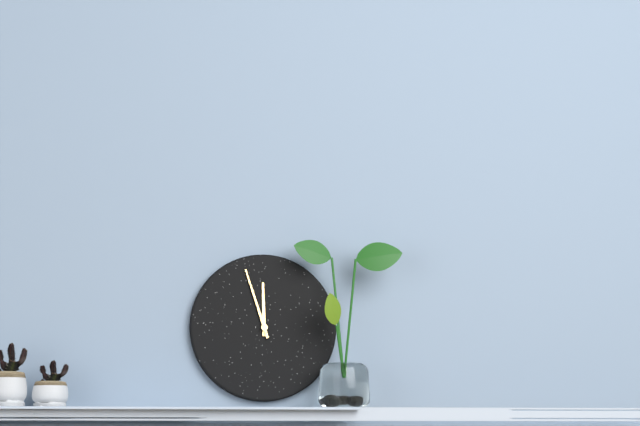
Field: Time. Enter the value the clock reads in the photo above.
11:57
